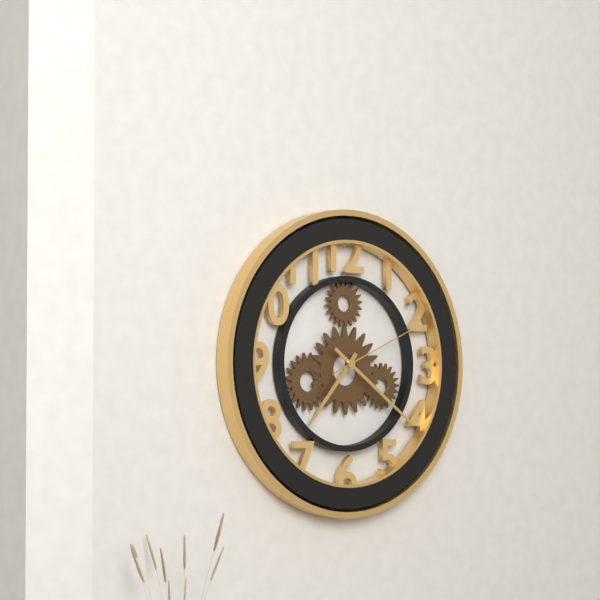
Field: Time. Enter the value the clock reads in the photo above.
7:21:11
